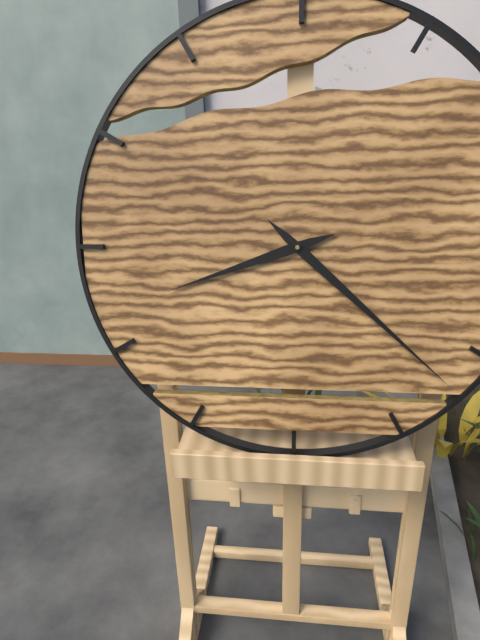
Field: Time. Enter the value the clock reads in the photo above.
8:22
